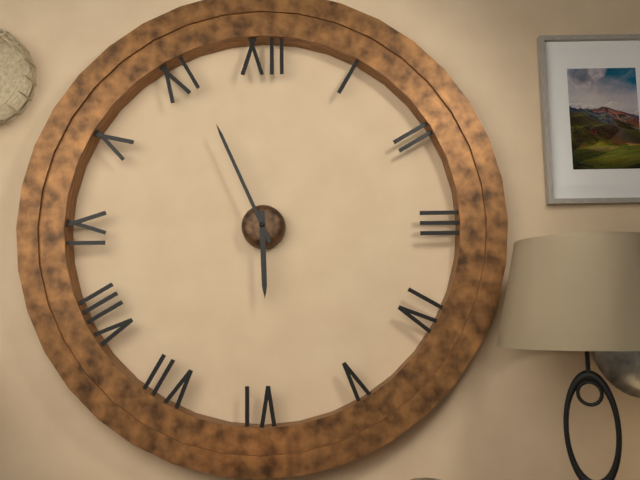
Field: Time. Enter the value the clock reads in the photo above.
5:56
